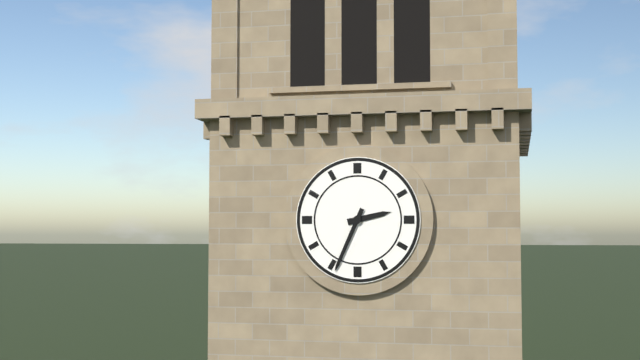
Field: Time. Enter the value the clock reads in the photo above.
2:34
